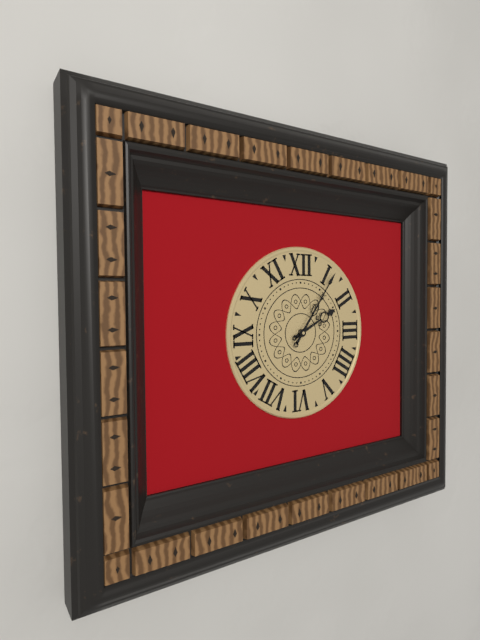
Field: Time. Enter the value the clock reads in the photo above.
2:06
